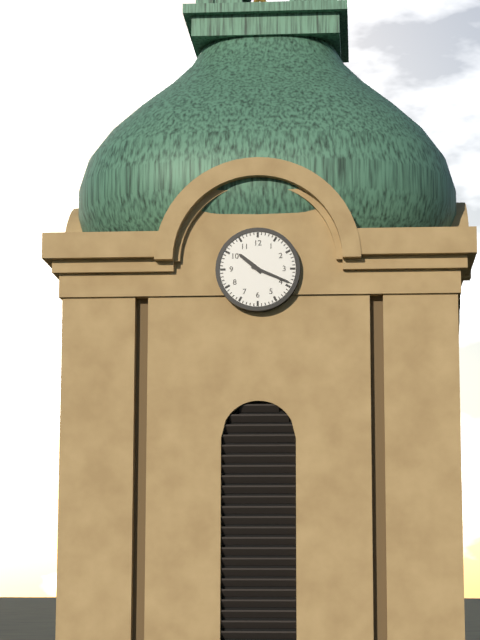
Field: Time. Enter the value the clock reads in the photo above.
10:19
